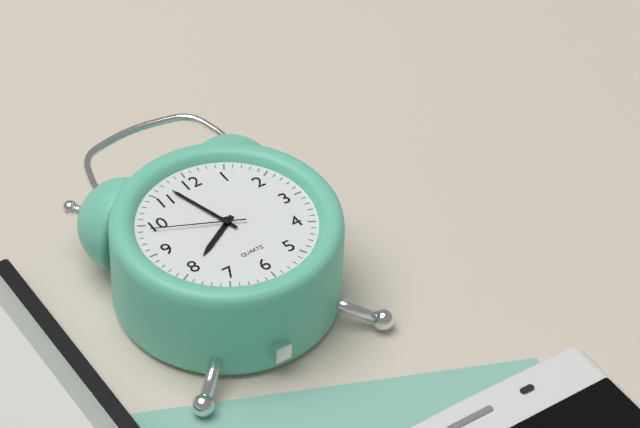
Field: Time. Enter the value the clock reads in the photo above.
7:57:49
